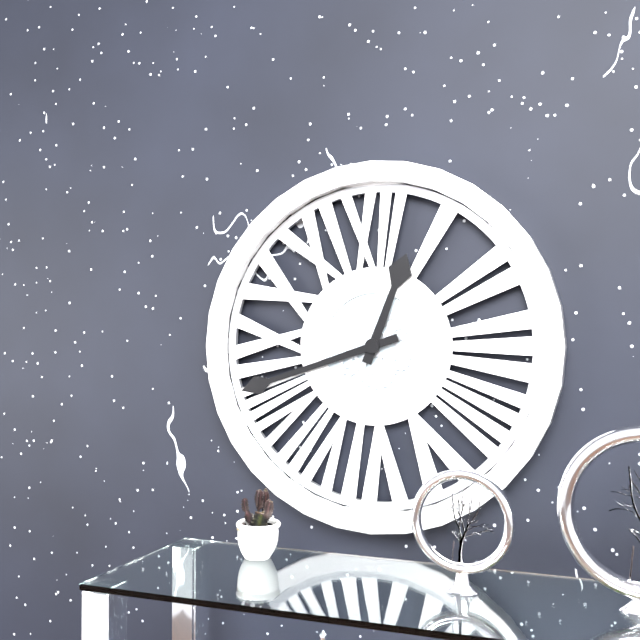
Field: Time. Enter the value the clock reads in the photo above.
12:42
